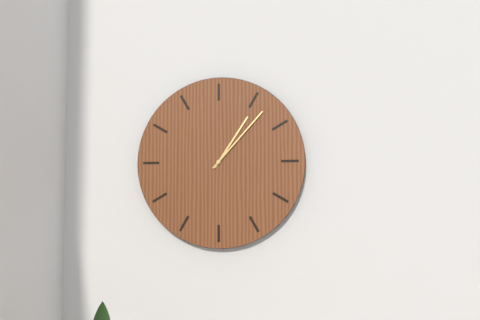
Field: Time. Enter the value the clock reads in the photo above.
1:07
